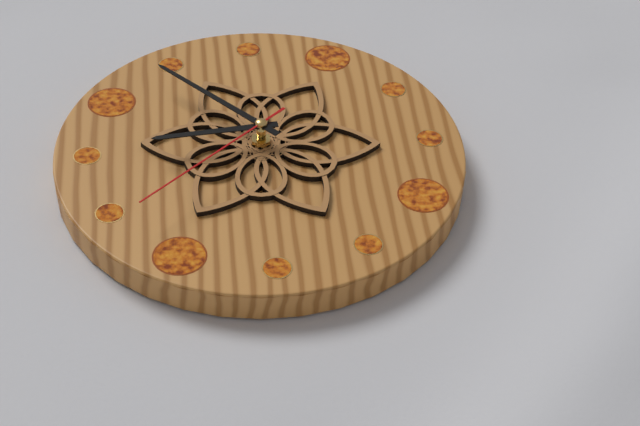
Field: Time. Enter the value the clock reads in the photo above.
7:48:33
